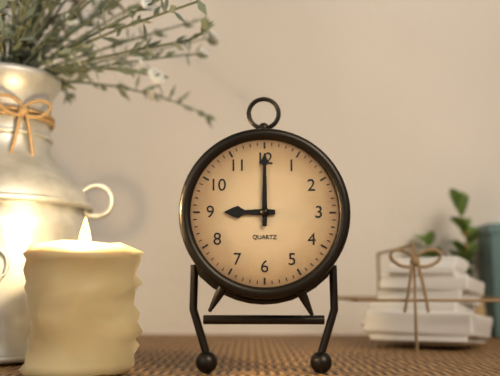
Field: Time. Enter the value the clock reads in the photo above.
9:00
